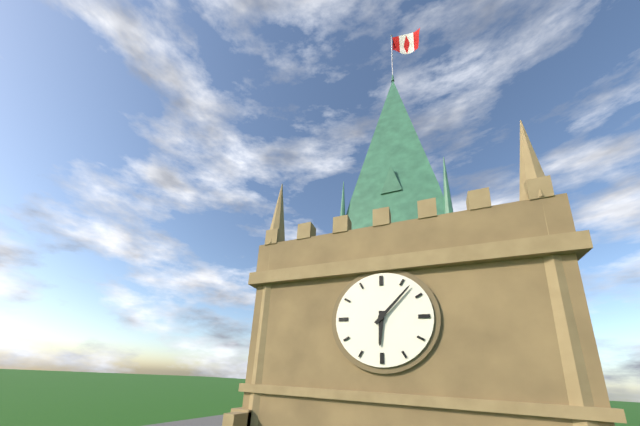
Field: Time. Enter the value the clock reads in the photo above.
6:07
